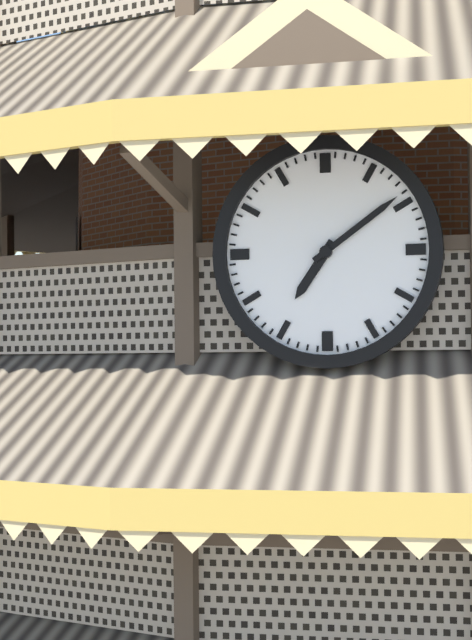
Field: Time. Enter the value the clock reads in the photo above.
7:09
